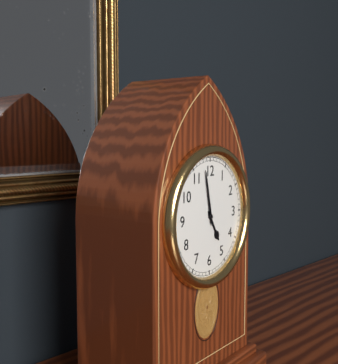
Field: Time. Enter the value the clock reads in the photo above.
4:58
